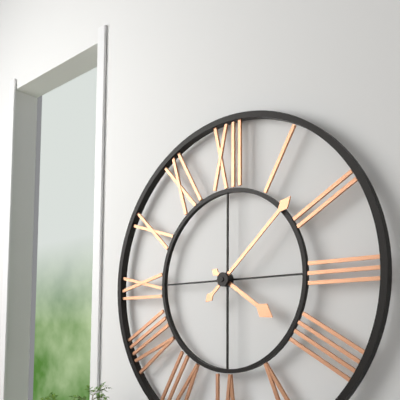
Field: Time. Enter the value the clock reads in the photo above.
4:08
